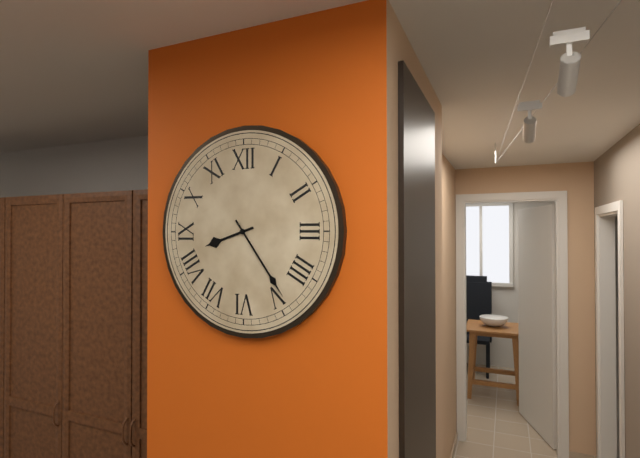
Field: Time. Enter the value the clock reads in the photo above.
8:24
